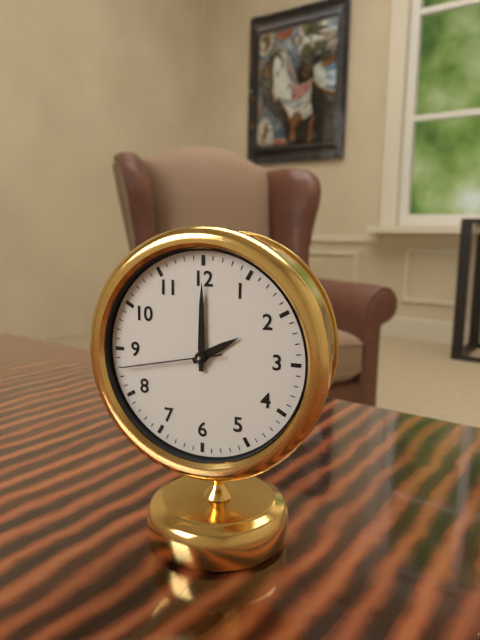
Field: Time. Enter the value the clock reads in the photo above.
2:00:43
